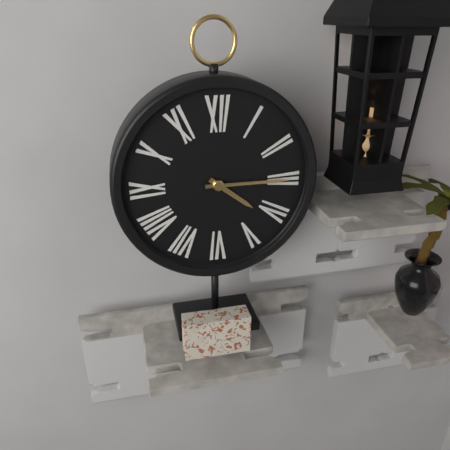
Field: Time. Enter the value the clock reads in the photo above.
4:15
